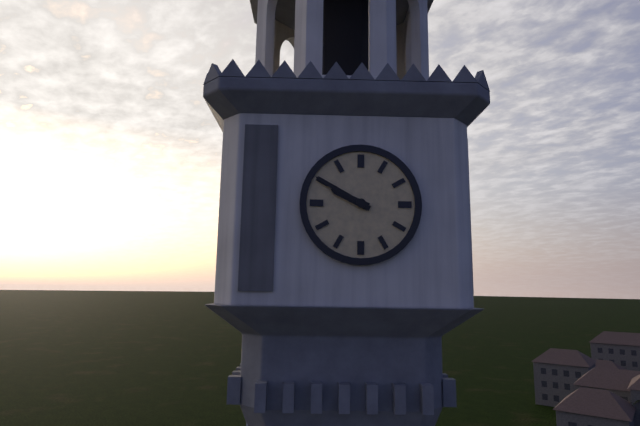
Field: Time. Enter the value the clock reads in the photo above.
9:50
